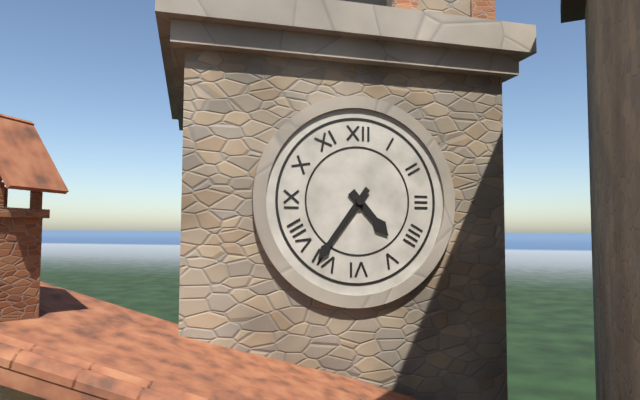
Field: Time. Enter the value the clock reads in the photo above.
4:36
